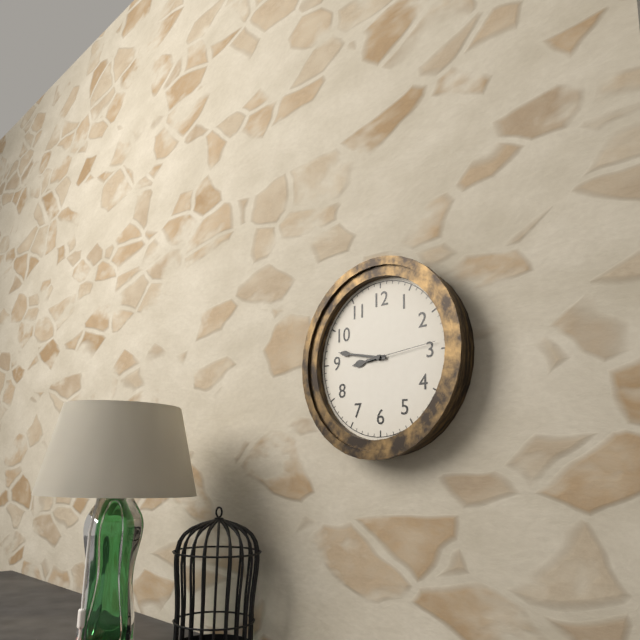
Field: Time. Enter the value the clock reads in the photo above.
8:47:14
